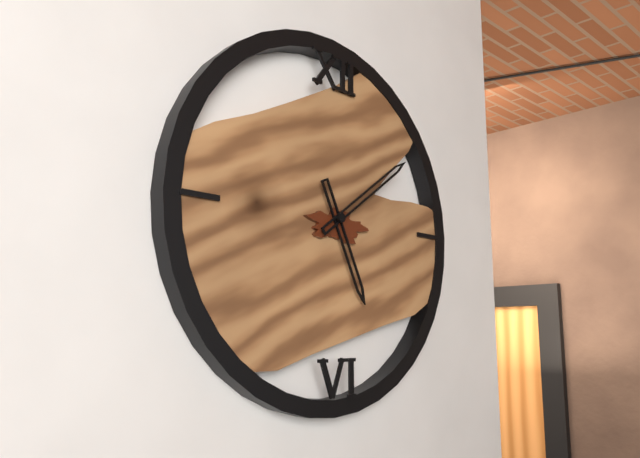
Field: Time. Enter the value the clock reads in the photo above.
5:09
